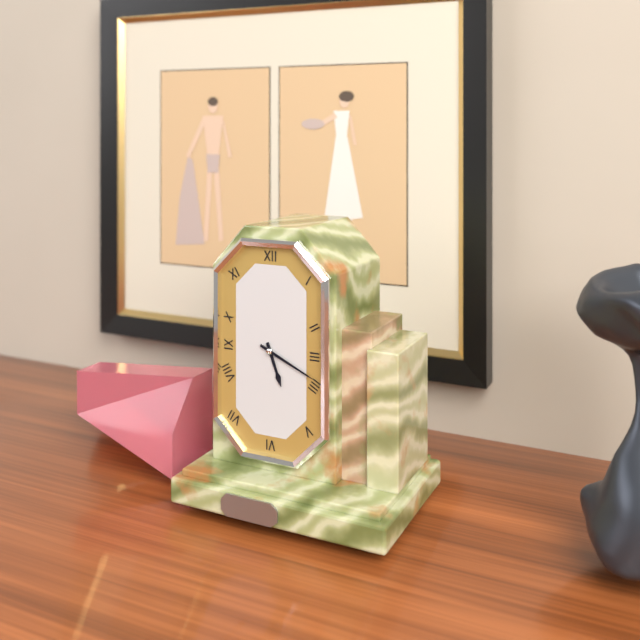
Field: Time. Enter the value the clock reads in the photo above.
5:19
